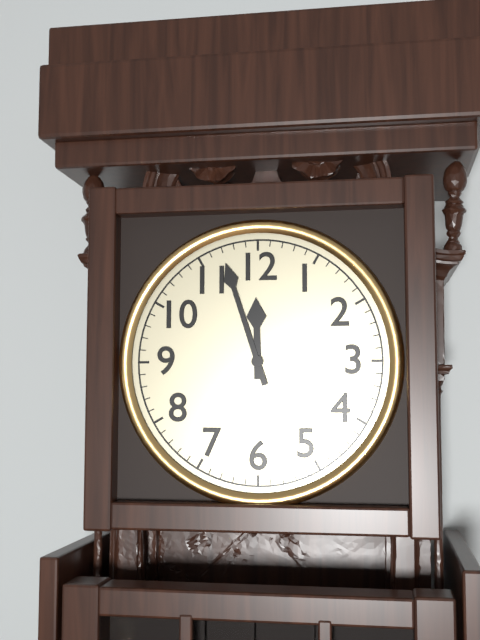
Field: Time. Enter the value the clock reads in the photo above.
11:57
